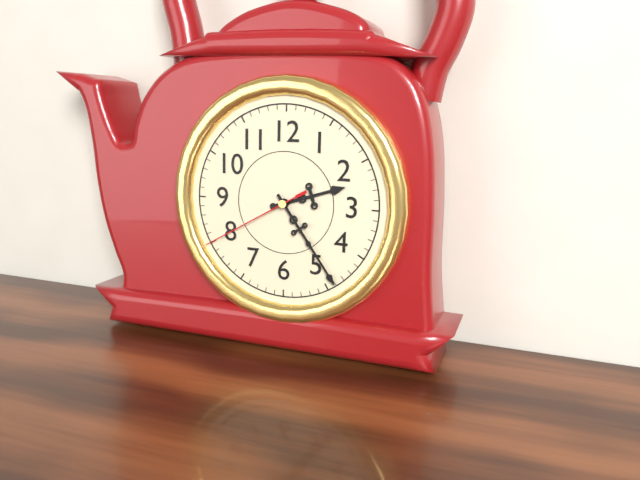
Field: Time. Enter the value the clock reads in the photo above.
2:24:40
